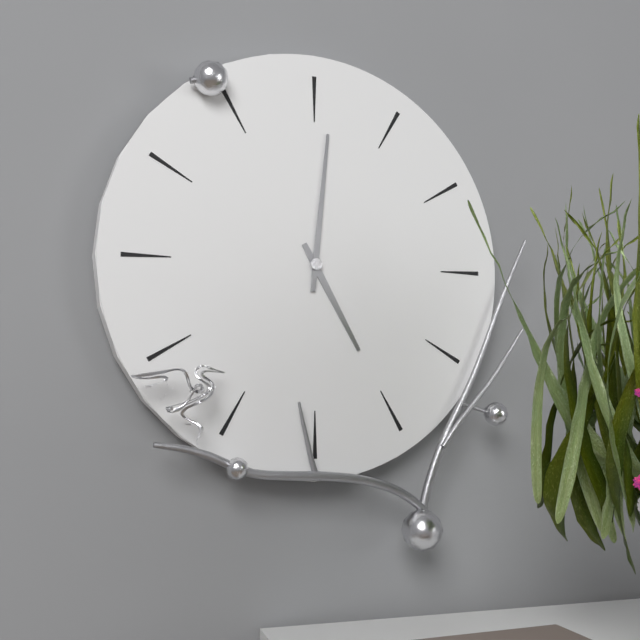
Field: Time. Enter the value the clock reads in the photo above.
5:01
